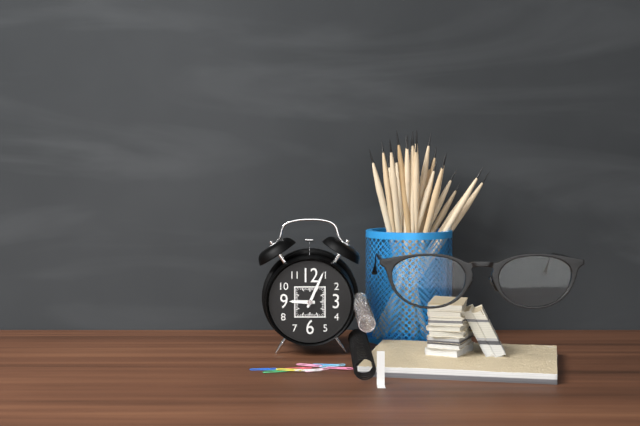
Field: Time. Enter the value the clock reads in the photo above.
9:04
